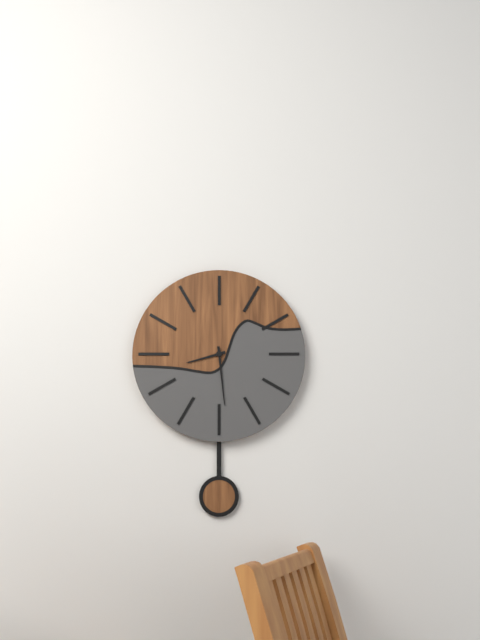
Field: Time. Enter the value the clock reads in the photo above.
8:29
